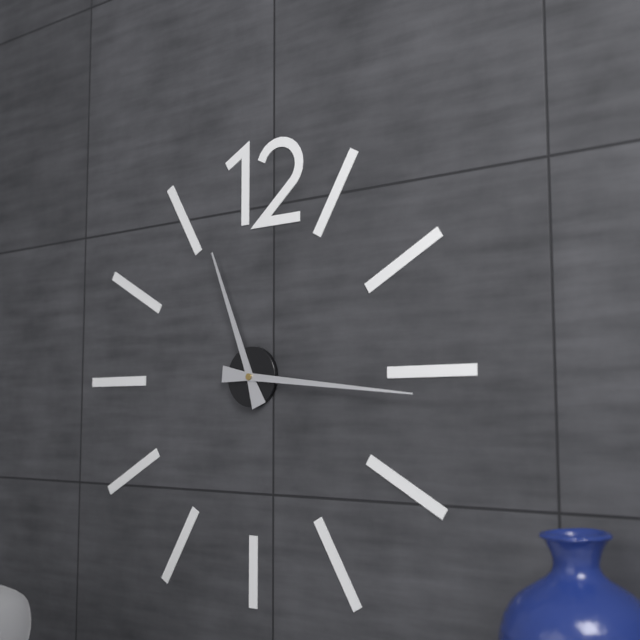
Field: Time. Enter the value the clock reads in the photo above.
11:16
